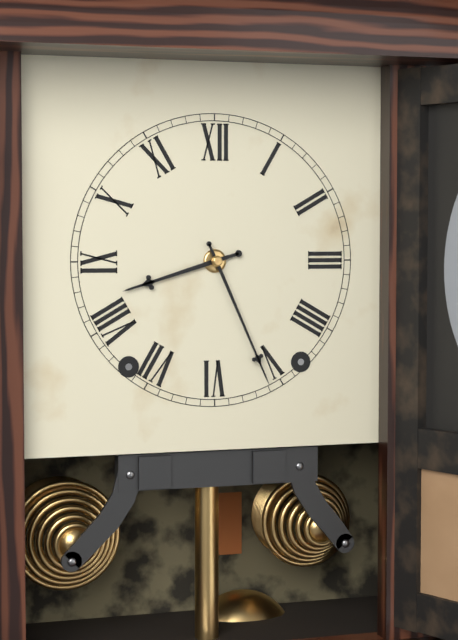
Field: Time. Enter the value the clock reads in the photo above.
8:26
